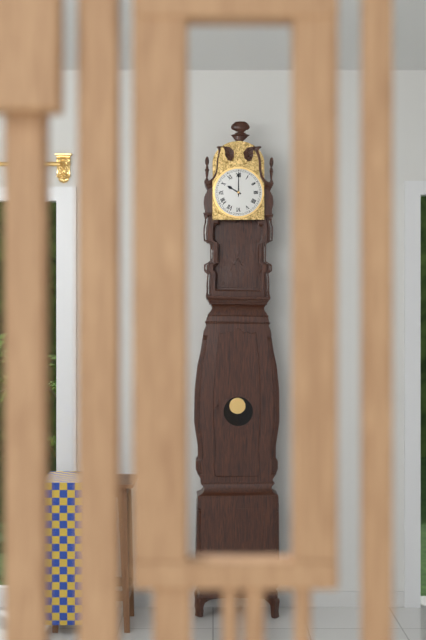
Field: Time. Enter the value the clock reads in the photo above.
10:00
